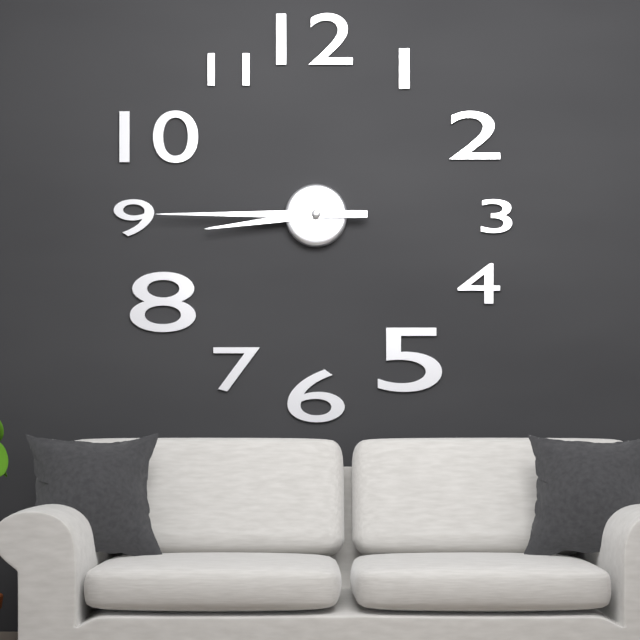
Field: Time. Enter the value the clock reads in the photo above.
8:45
